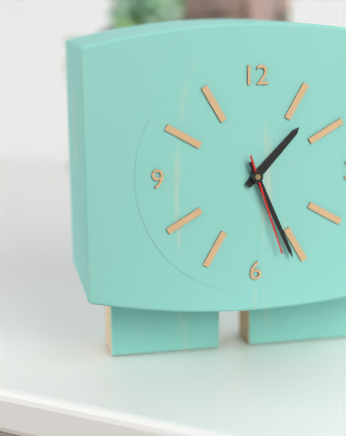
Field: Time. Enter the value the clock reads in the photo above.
1:26:27
